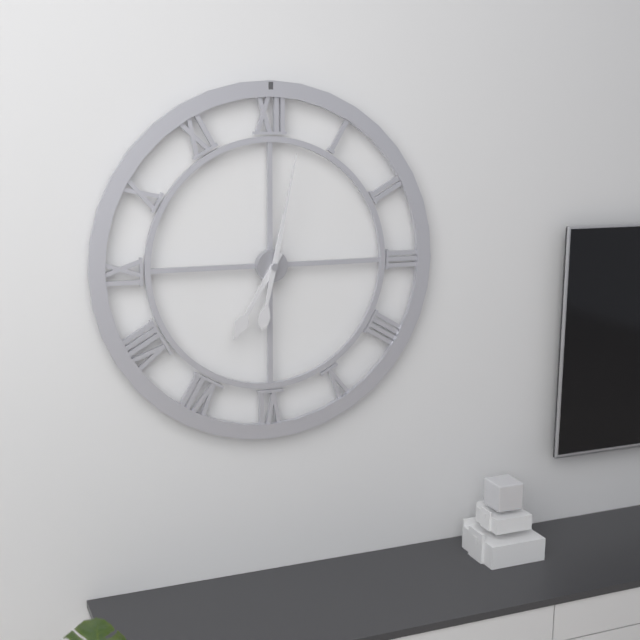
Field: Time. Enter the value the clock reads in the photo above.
7:02
